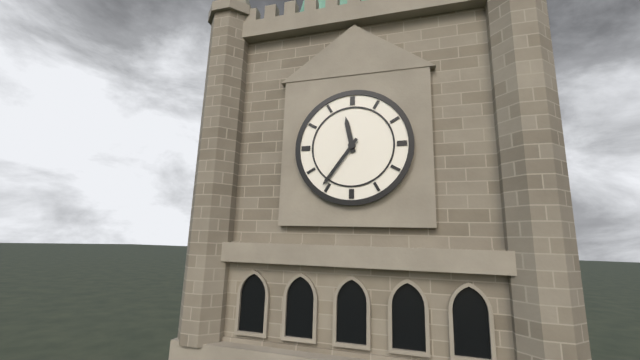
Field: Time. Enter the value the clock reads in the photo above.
11:36
